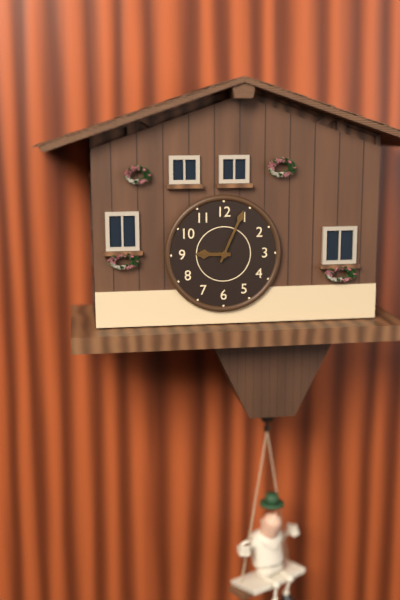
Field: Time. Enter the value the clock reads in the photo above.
9:04
